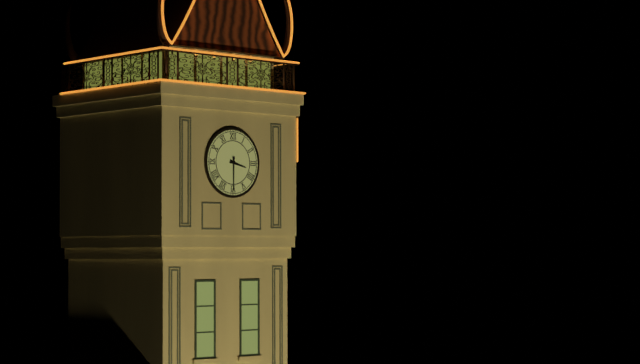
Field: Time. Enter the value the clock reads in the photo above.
3:30
